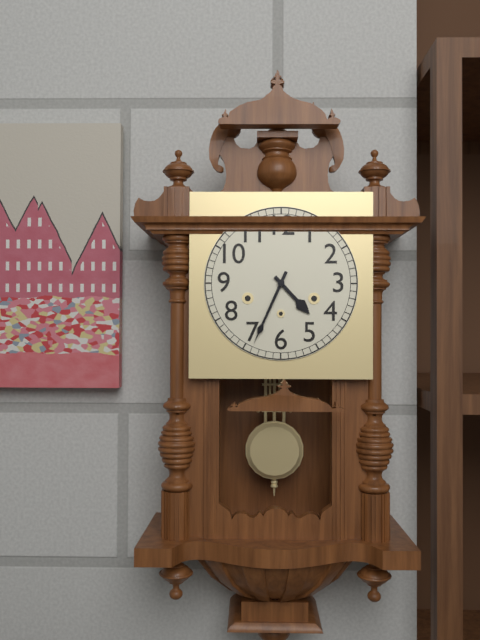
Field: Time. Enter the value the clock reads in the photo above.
4:34
